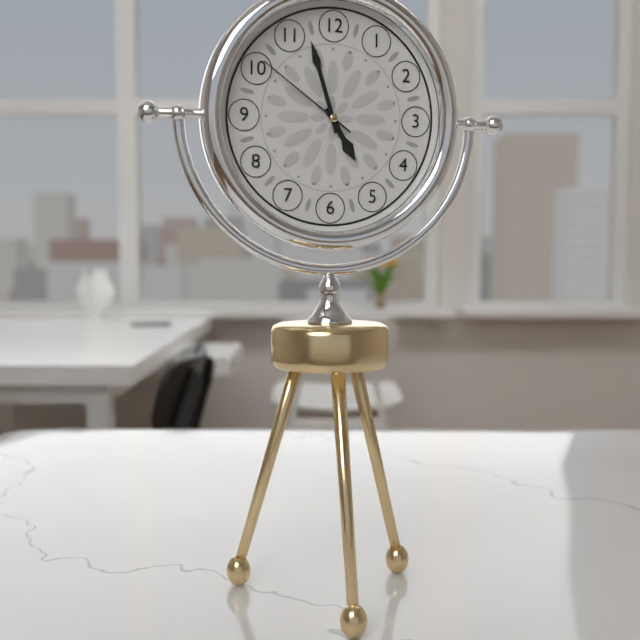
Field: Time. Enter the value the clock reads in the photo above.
4:57:51
